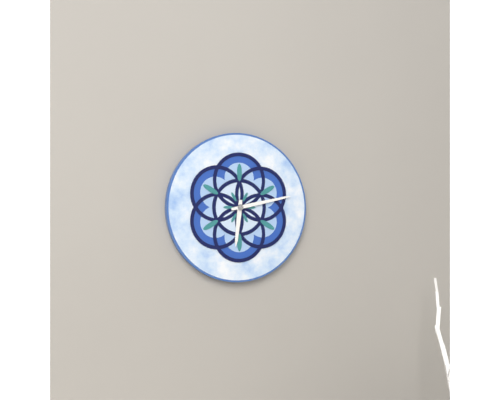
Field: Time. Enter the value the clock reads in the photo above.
6:13
